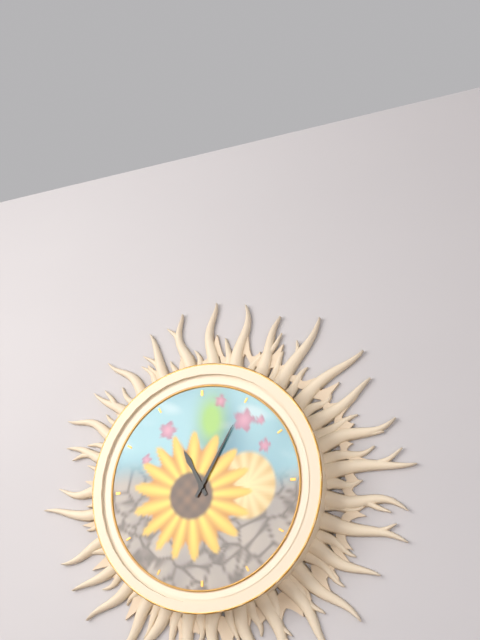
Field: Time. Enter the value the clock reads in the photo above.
11:05
